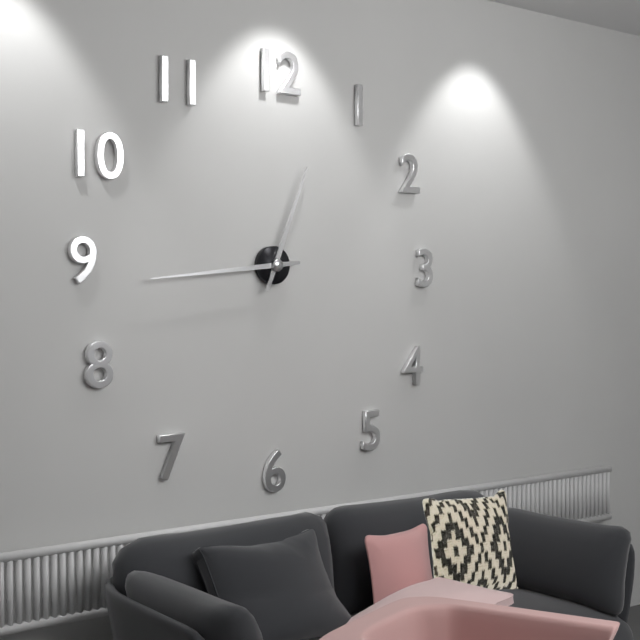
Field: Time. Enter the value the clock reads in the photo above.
12:44
